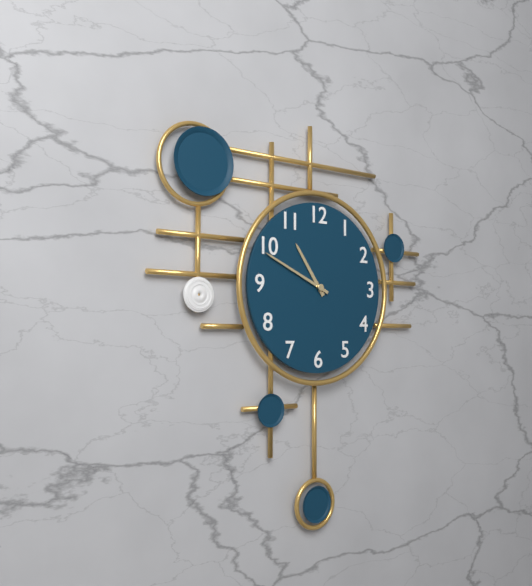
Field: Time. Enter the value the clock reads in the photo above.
10:49
